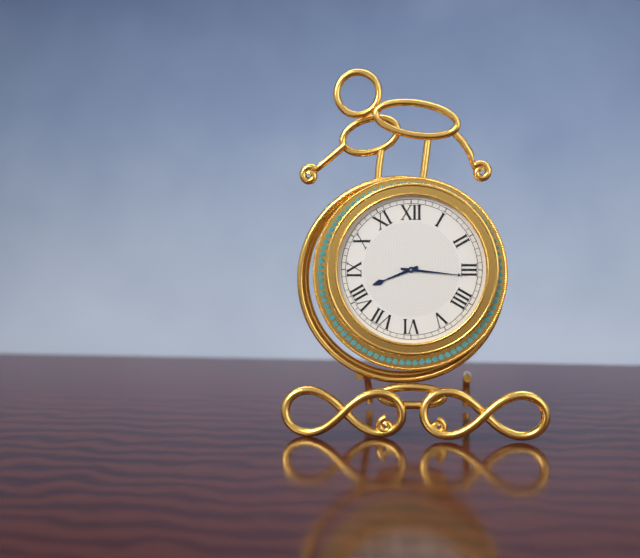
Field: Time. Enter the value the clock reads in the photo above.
8:16
